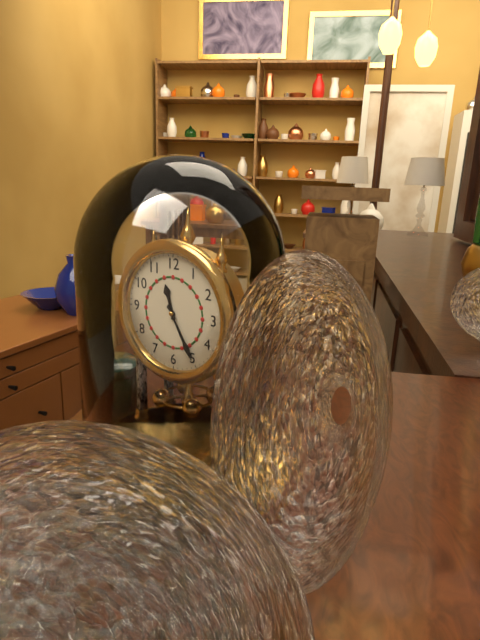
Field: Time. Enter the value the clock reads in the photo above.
11:25
